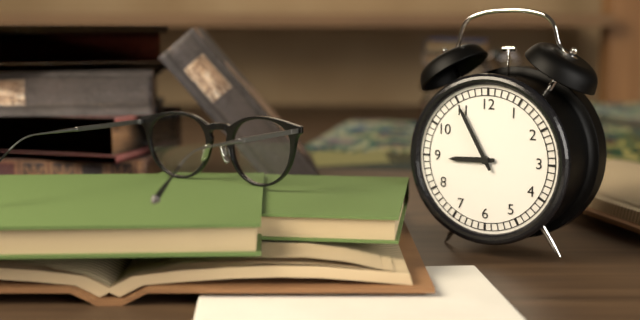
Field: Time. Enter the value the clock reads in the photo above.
8:55
